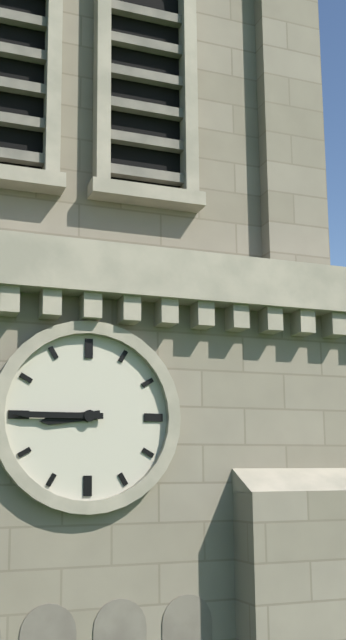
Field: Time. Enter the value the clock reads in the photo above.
8:45
